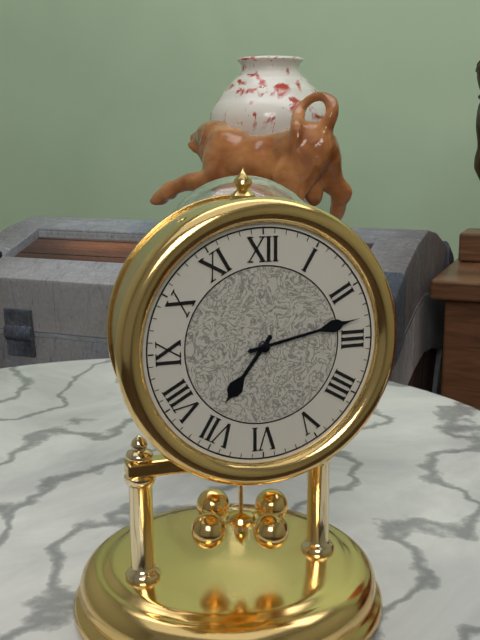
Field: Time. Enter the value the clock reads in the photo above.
7:13
